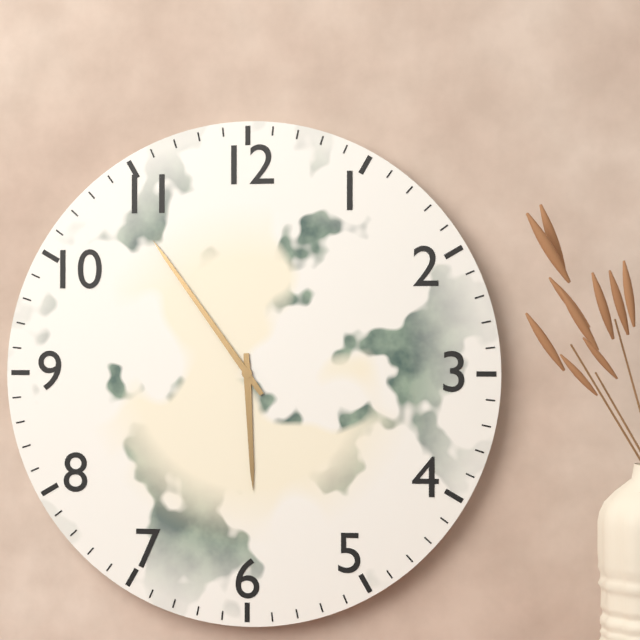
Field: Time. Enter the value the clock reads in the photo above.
5:54
